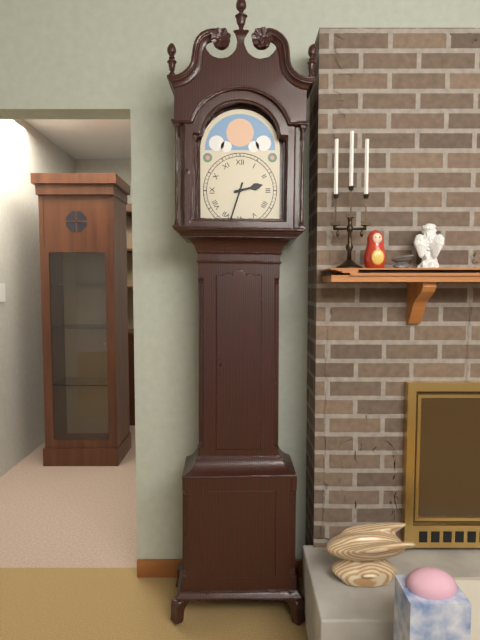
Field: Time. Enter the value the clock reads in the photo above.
2:33
